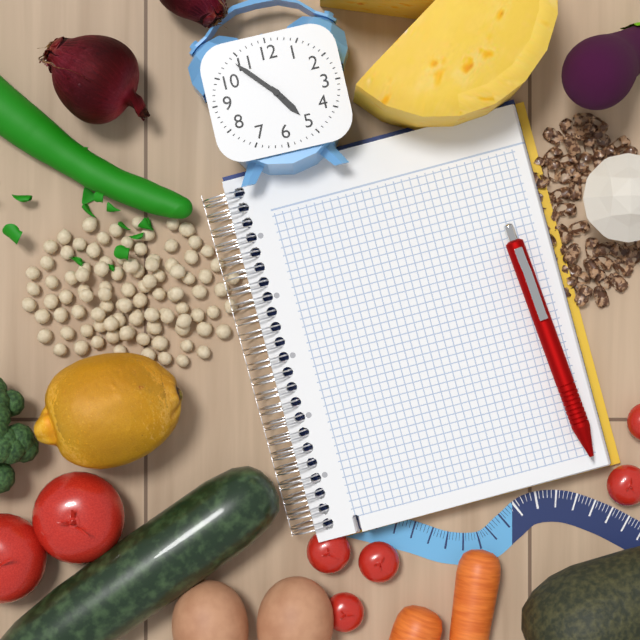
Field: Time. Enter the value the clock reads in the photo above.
4:53
